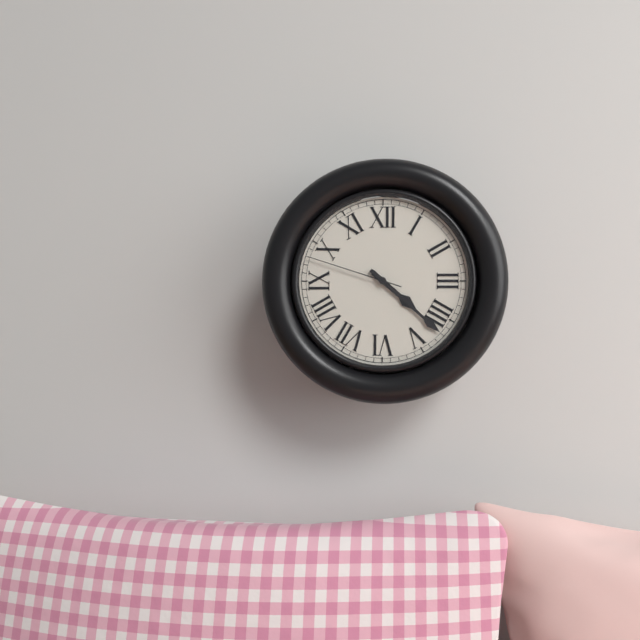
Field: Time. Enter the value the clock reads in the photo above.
4:22:48
